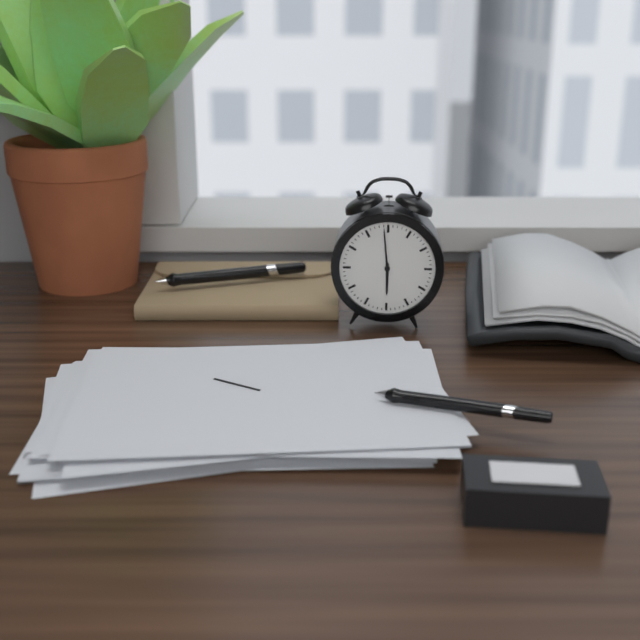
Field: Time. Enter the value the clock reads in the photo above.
5:59
